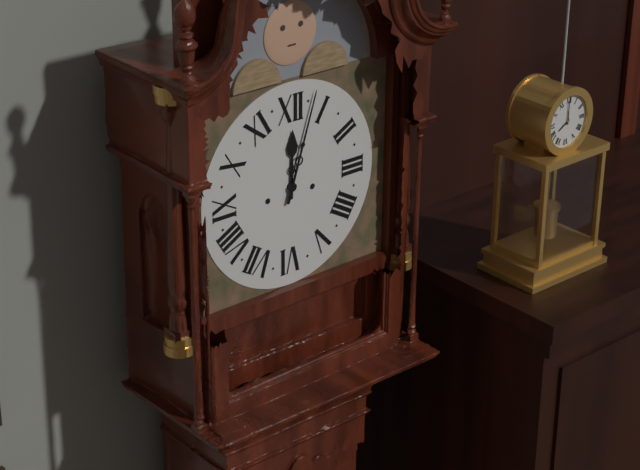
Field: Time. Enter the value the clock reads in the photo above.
12:03
